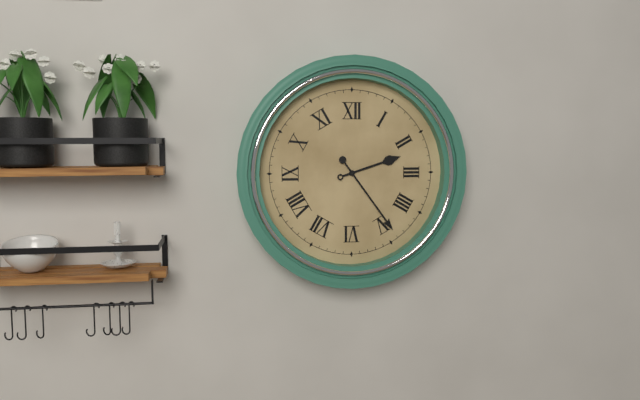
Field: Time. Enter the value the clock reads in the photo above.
2:24
